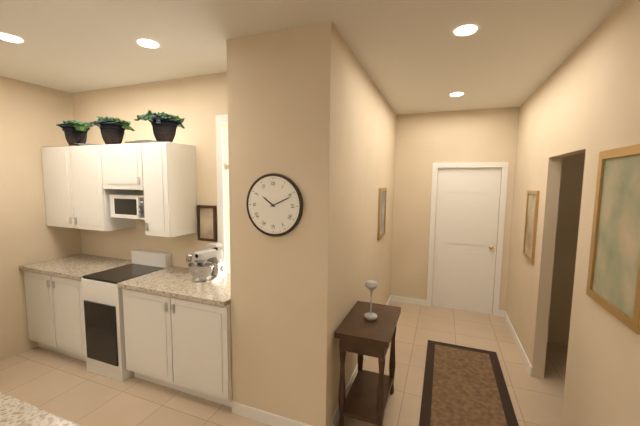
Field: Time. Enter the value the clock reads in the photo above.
10:11
